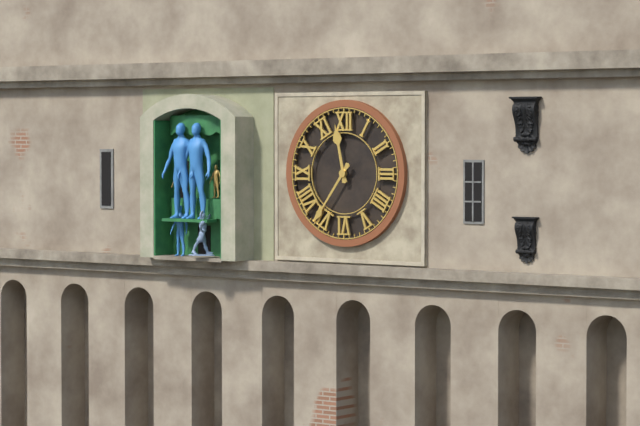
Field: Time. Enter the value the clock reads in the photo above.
11:36
